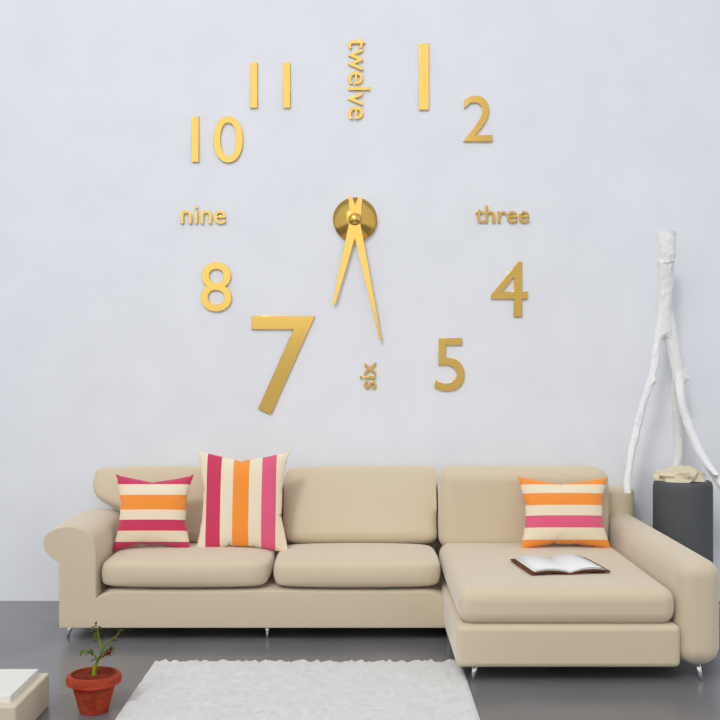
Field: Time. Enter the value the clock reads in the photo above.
6:28
